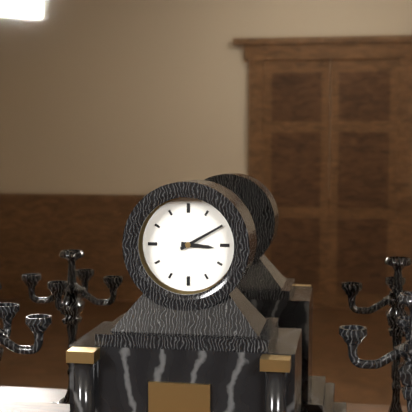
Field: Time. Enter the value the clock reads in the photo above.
3:10
